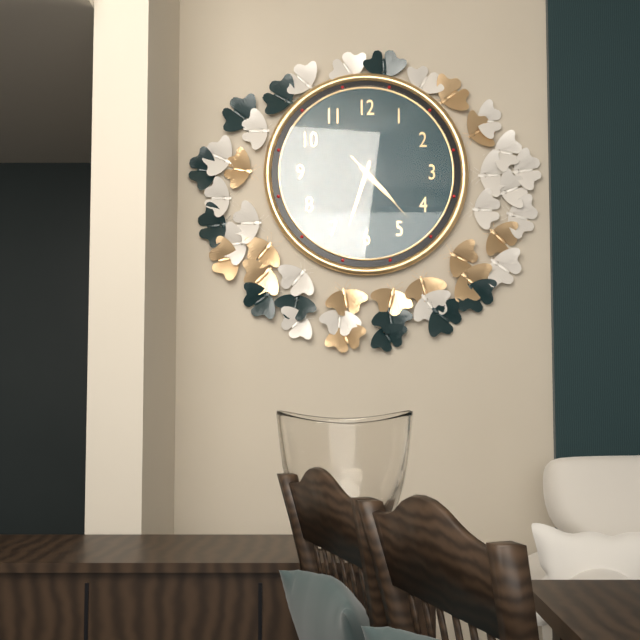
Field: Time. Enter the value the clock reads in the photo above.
4:33:23
